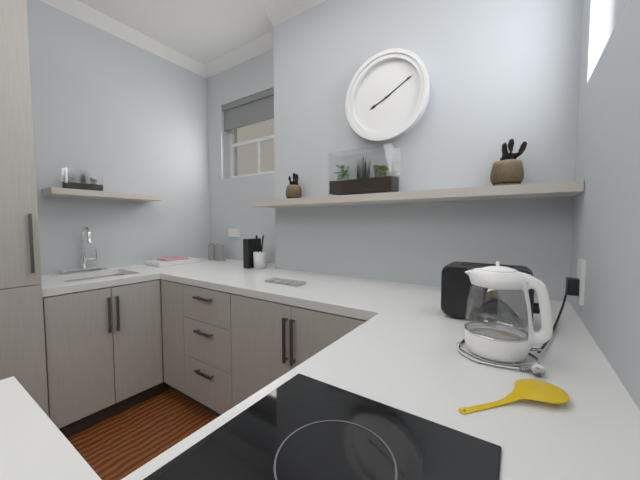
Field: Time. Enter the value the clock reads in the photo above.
8:10
